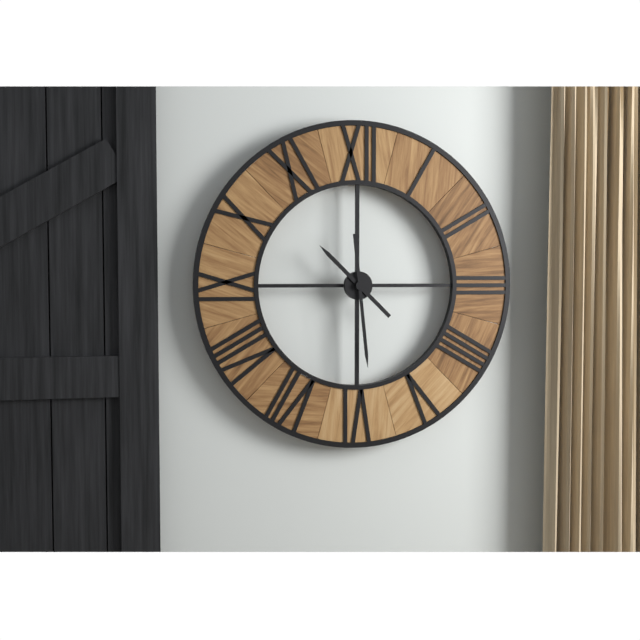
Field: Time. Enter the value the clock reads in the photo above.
10:29
